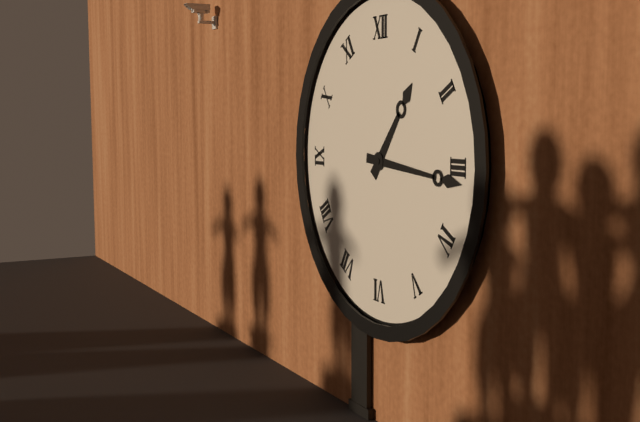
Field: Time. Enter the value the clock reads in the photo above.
1:16
